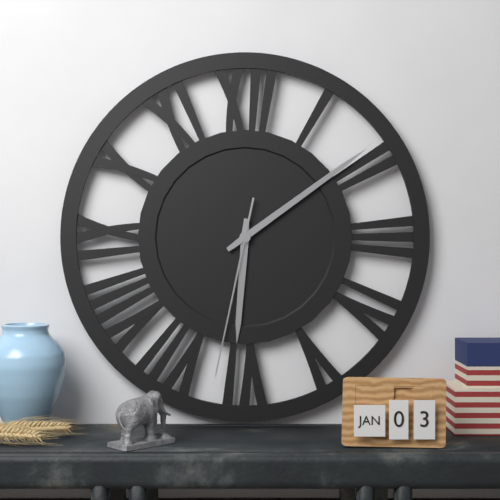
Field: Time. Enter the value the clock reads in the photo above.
6:09:32
